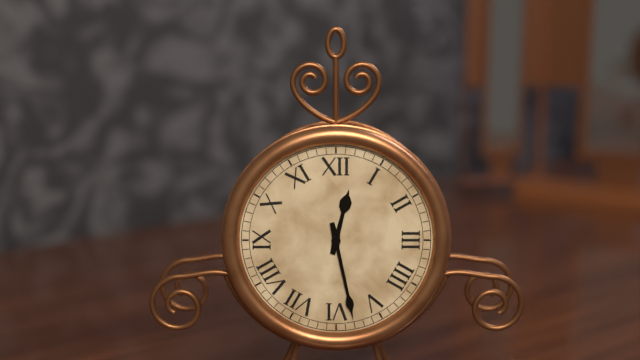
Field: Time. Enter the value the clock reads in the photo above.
12:28
